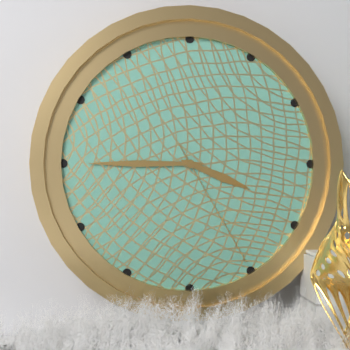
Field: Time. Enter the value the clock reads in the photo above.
3:45:25
